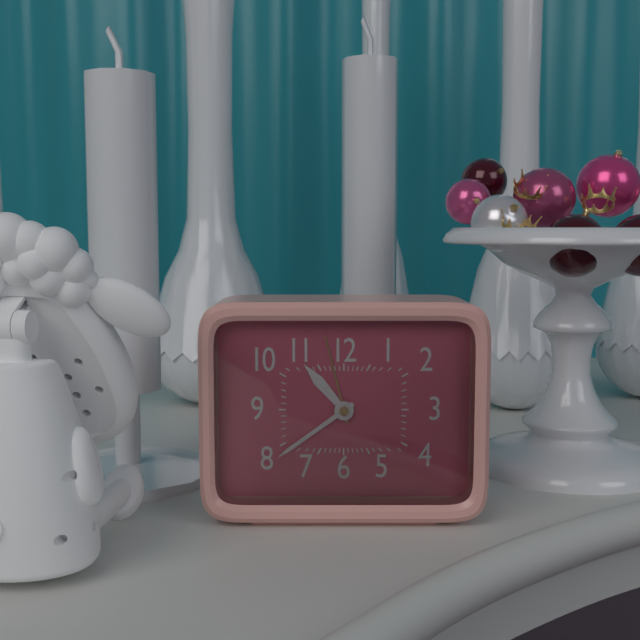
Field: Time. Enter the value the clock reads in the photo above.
10:39
